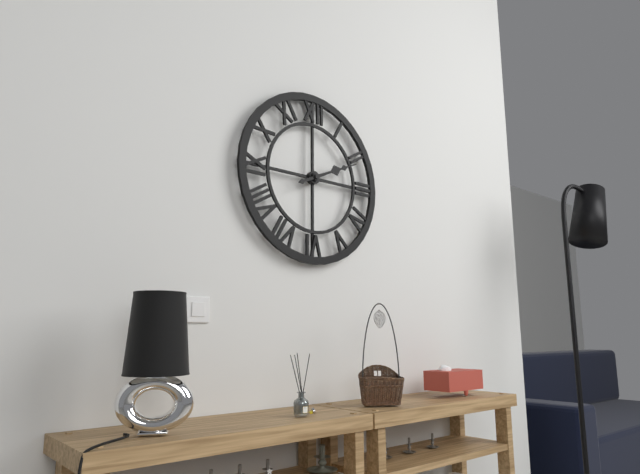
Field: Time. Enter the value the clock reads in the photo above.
2:11
